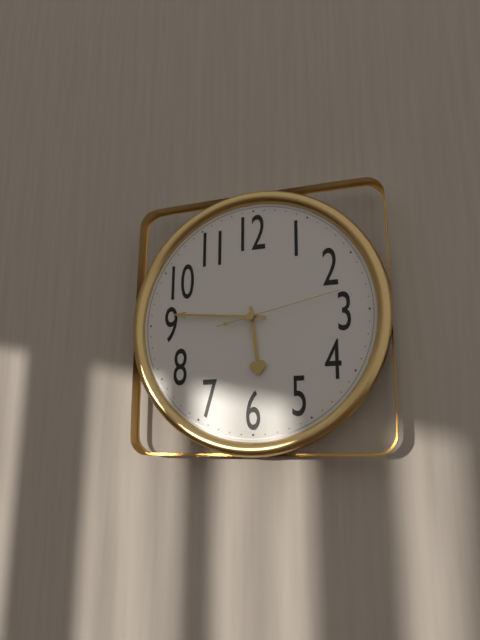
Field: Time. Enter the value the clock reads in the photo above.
5:46:13
